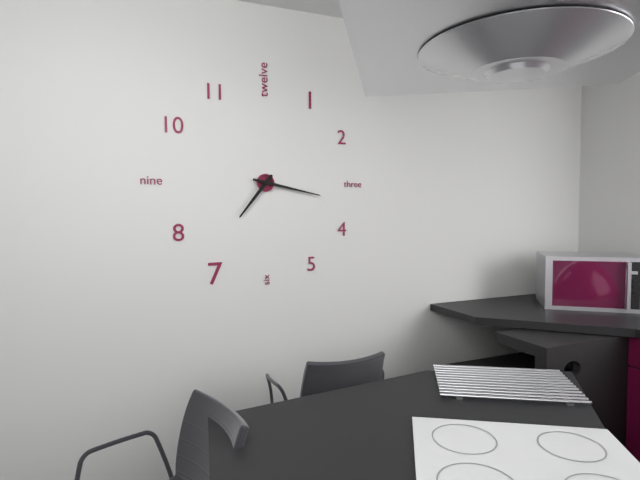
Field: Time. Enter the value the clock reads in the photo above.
7:17
